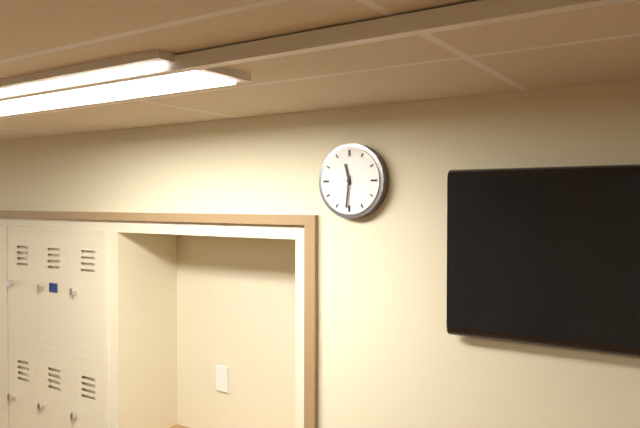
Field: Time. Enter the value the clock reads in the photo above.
11:31
